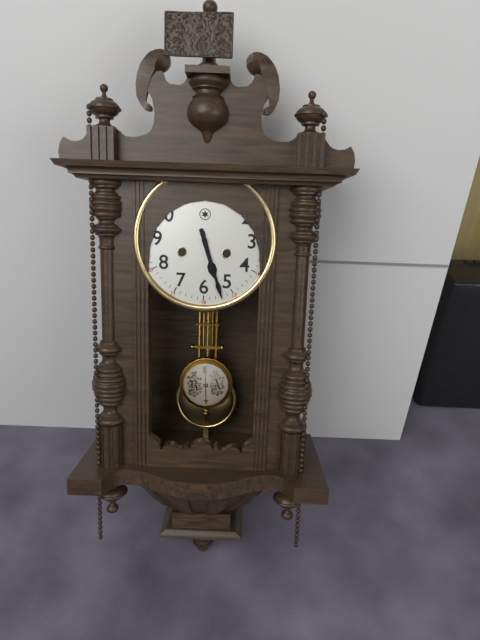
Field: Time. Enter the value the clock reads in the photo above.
5:27
